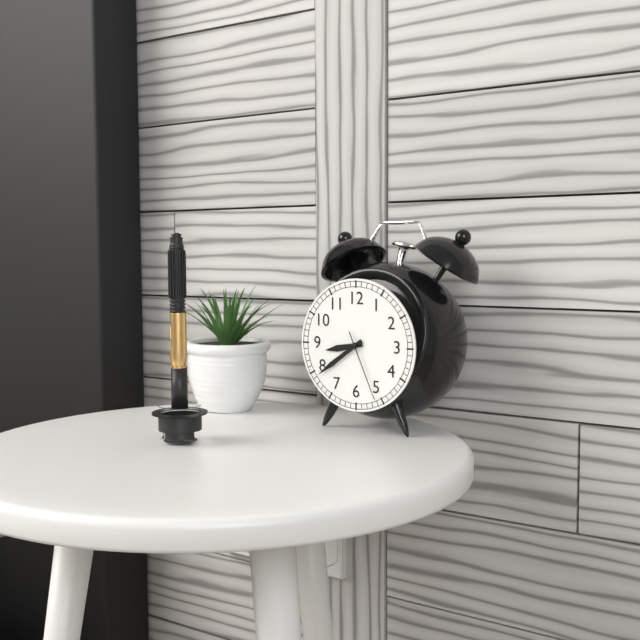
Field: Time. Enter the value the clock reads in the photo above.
8:39:26
